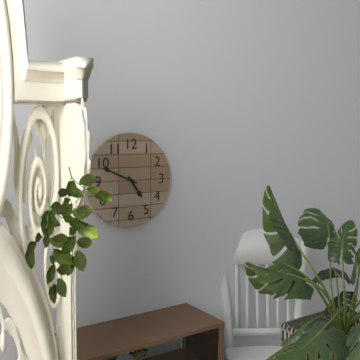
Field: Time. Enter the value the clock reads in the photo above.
4:49
